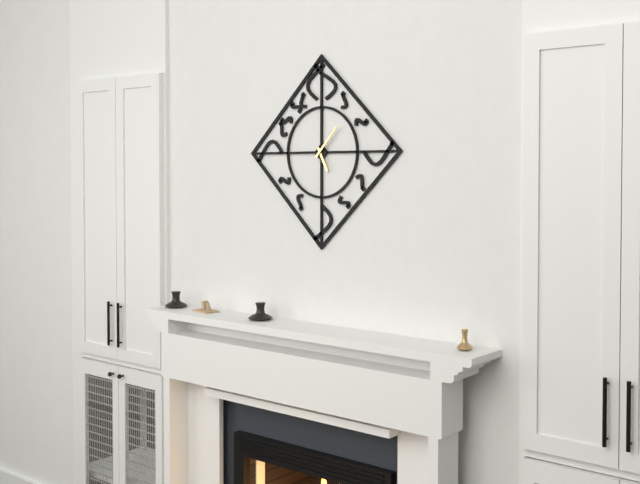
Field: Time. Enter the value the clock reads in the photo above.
5:07
